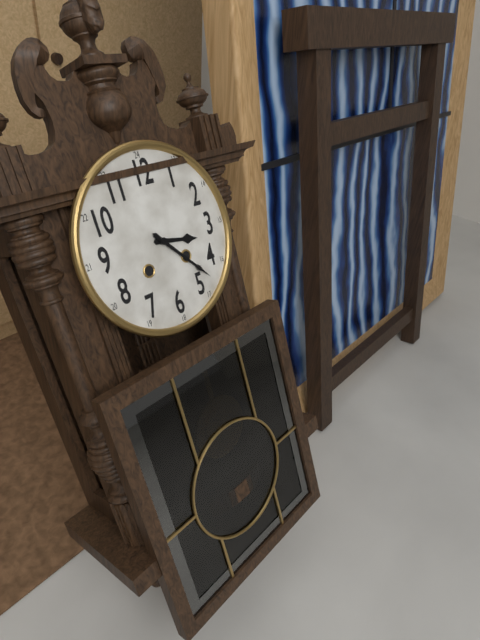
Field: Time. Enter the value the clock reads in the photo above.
3:23
